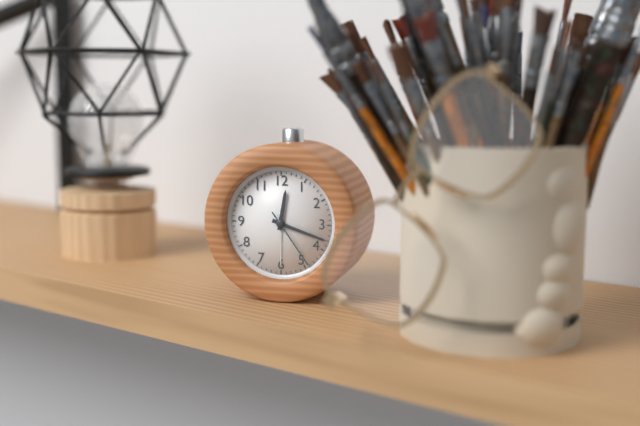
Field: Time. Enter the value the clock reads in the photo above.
12:18:24
